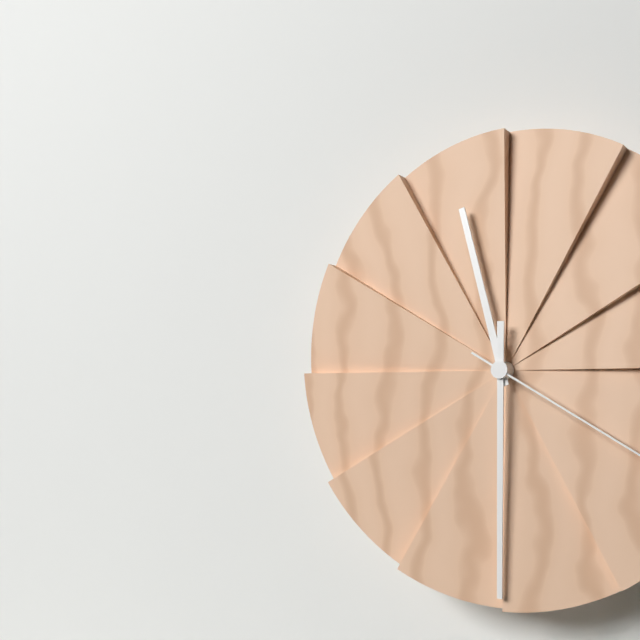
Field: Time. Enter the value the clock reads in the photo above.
11:30
